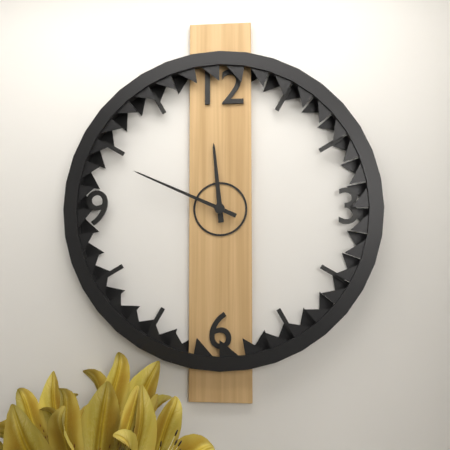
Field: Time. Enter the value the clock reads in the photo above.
11:49
